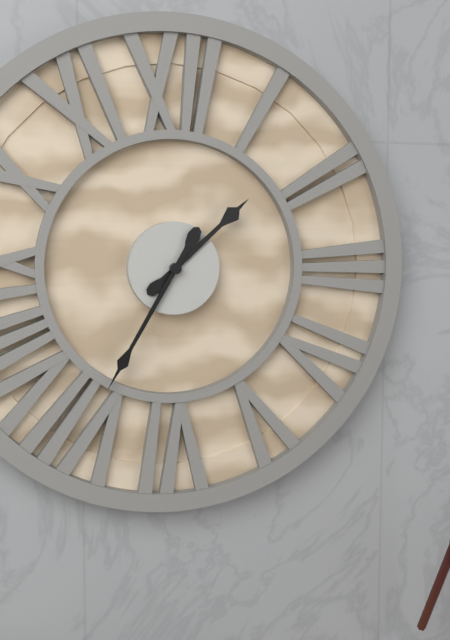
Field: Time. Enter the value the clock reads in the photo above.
1:35
